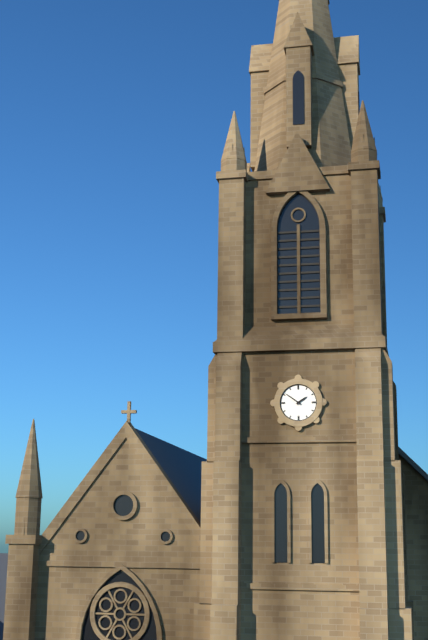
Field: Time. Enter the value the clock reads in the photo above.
1:51
